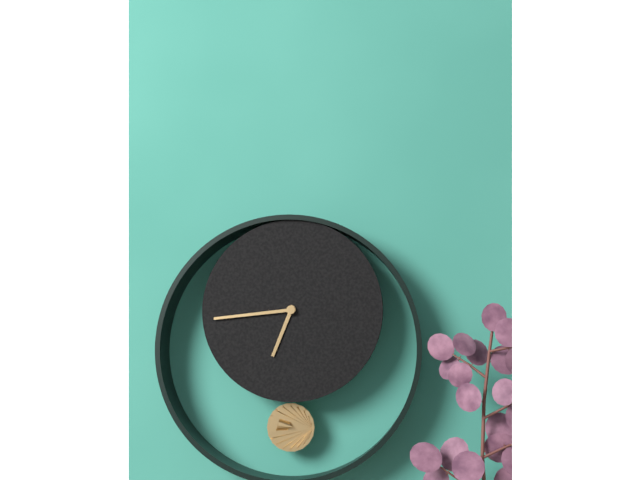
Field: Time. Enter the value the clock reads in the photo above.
6:44
